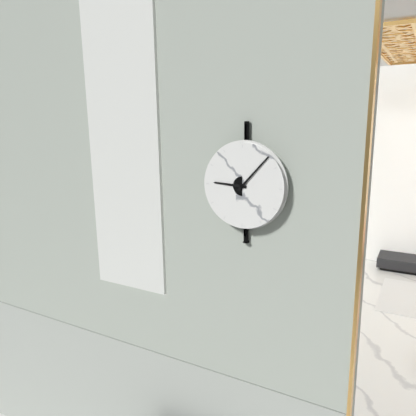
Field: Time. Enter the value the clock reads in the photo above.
9:07
